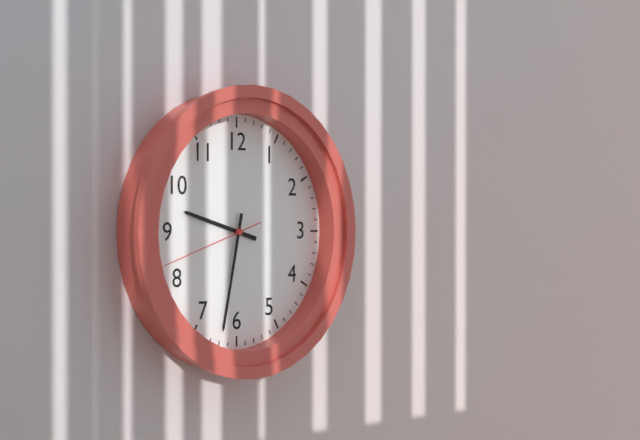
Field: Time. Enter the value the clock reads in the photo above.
9:32:42
